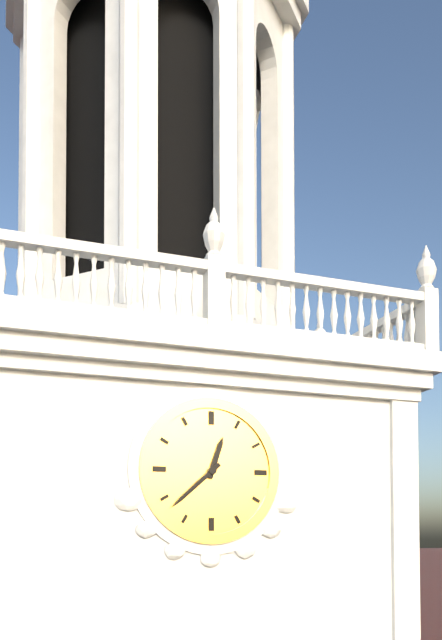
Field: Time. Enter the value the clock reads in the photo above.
12:38
